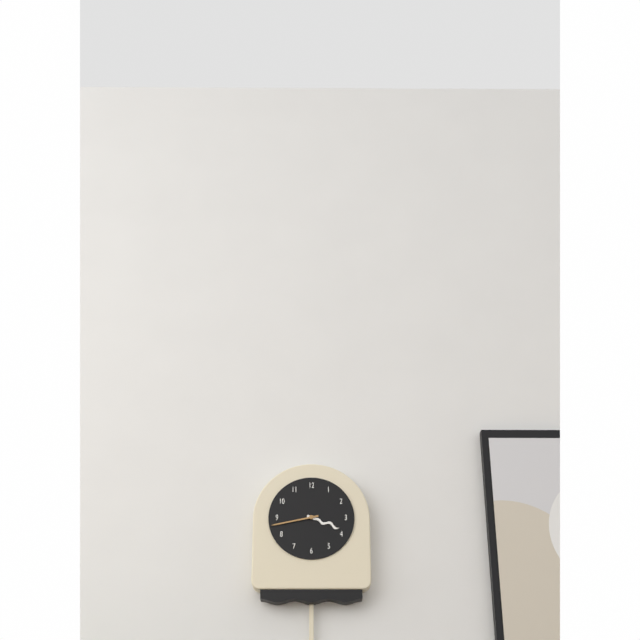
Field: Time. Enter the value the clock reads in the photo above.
3:43
